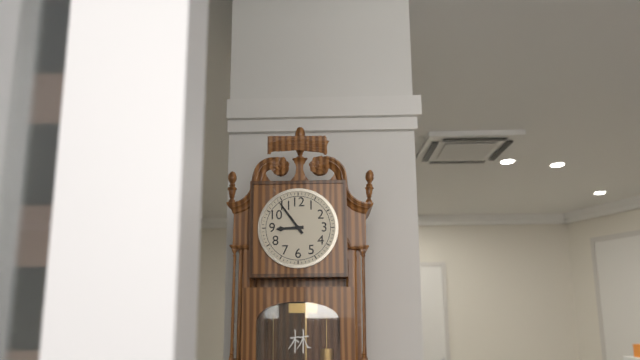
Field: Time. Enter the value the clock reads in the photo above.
8:54
